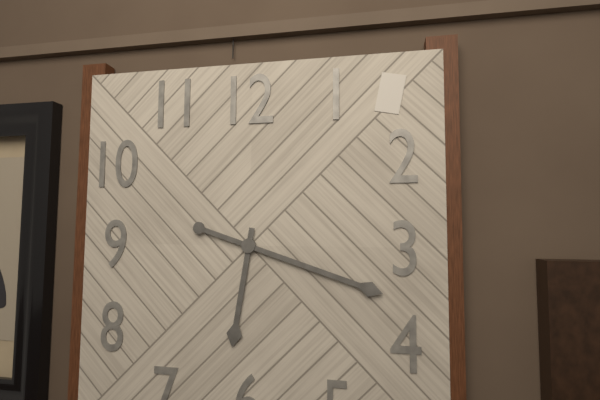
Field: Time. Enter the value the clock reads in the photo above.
6:18
